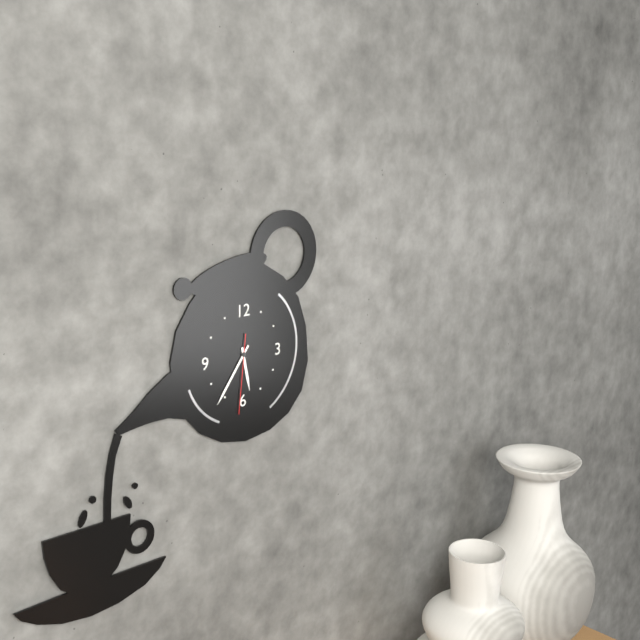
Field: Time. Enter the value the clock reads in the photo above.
5:36:31
